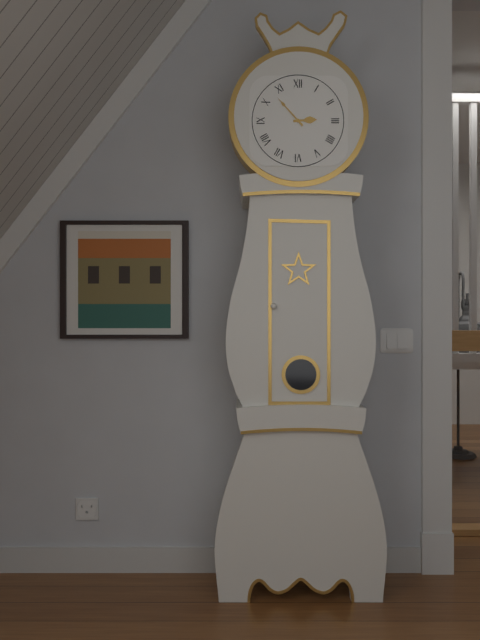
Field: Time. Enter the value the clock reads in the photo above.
2:53
